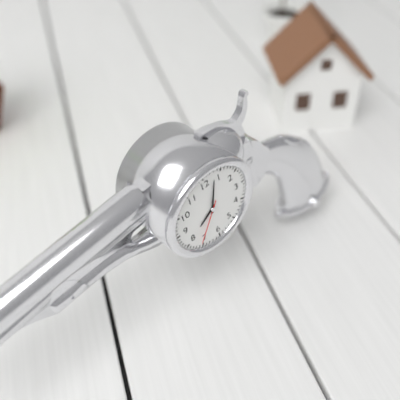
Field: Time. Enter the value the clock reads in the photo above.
8:03
